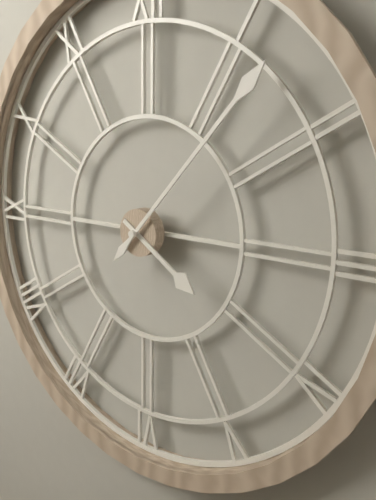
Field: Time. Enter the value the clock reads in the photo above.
4:07
